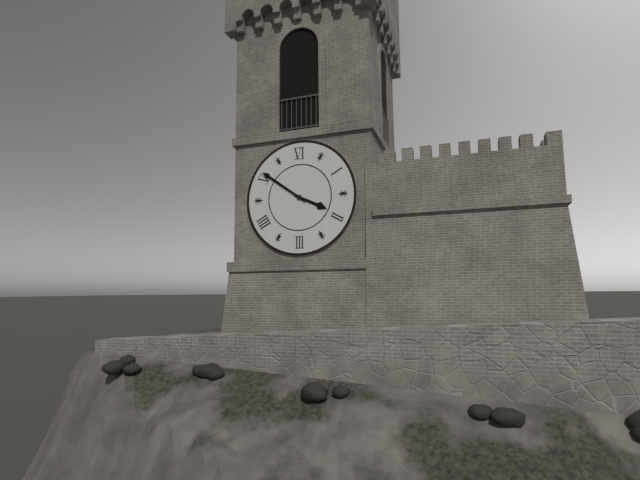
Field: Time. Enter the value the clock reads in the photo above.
3:51
